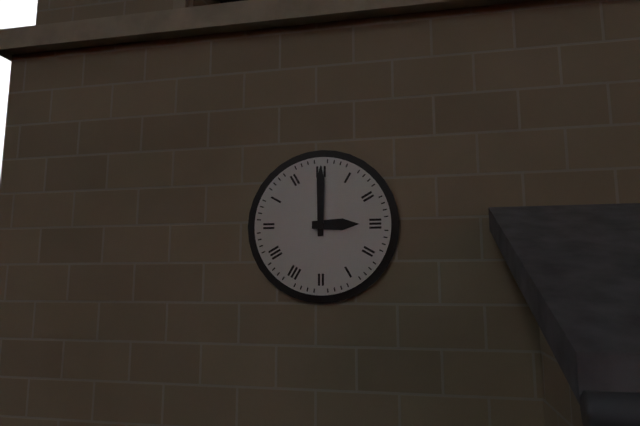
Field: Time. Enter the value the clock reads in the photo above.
3:00
